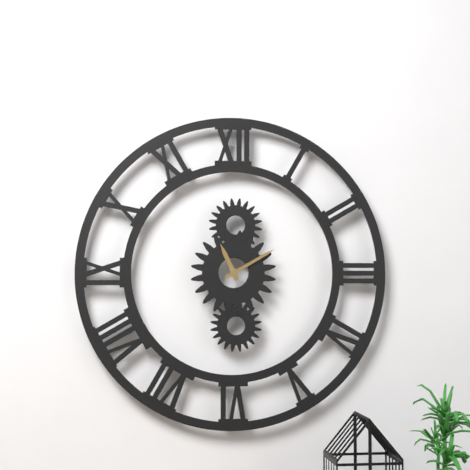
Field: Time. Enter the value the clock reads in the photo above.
11:10
